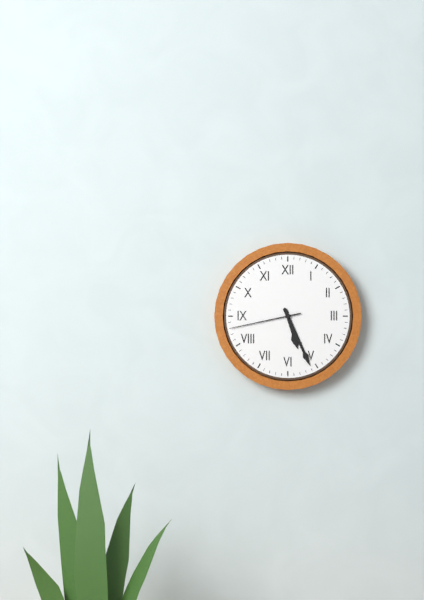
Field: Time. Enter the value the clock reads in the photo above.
5:26:43
